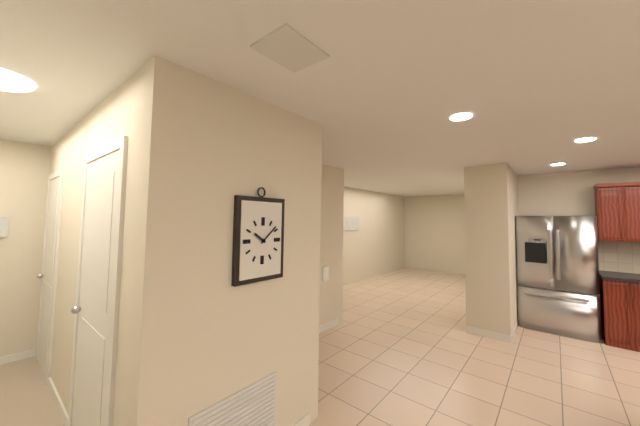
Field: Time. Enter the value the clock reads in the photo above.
10:08
